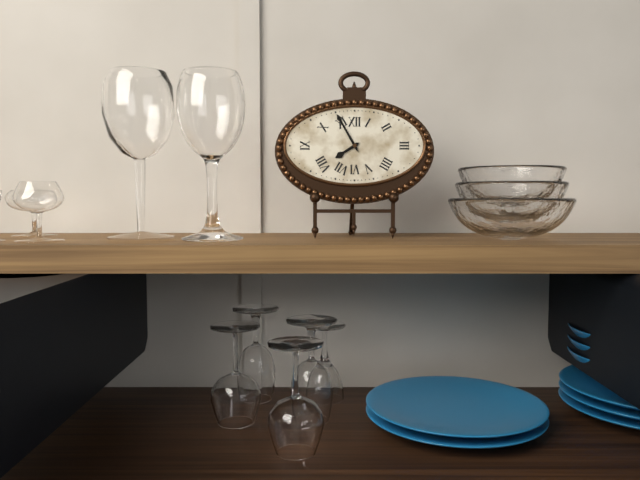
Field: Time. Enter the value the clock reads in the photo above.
7:55
